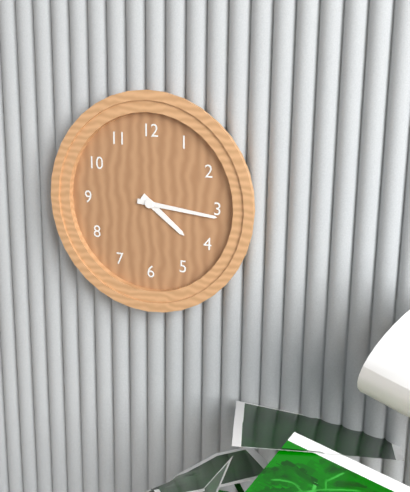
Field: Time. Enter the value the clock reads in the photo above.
4:16
